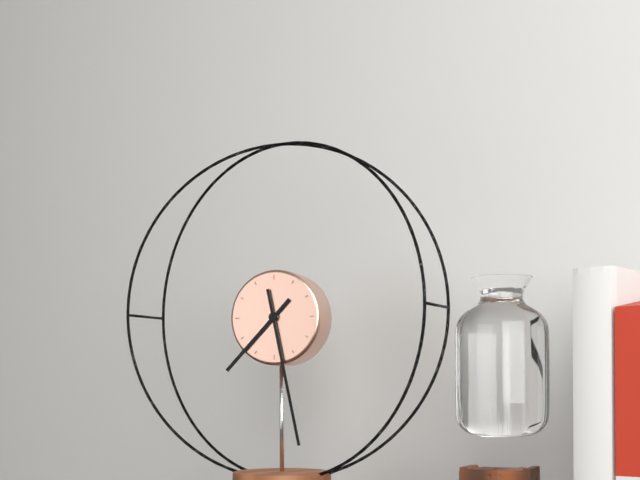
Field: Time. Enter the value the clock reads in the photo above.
7:28
